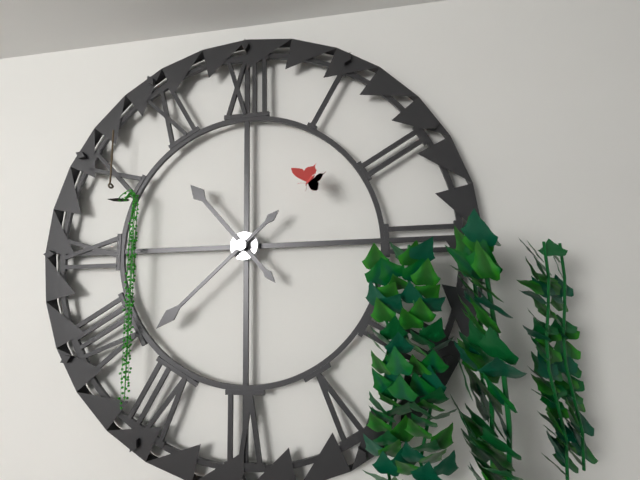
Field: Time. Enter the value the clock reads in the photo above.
10:38
